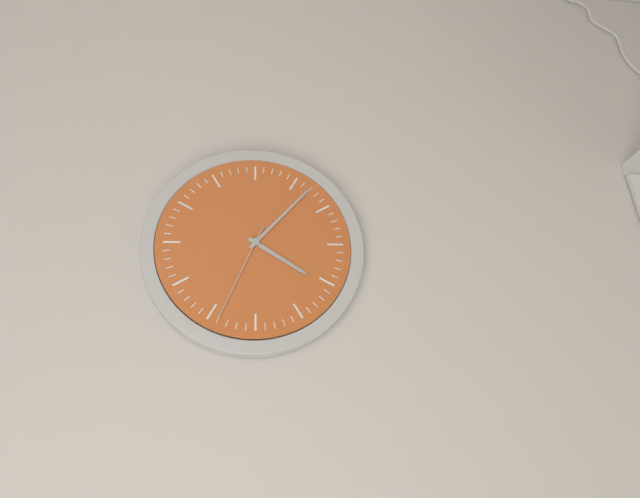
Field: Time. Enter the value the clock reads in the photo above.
4:07:34
